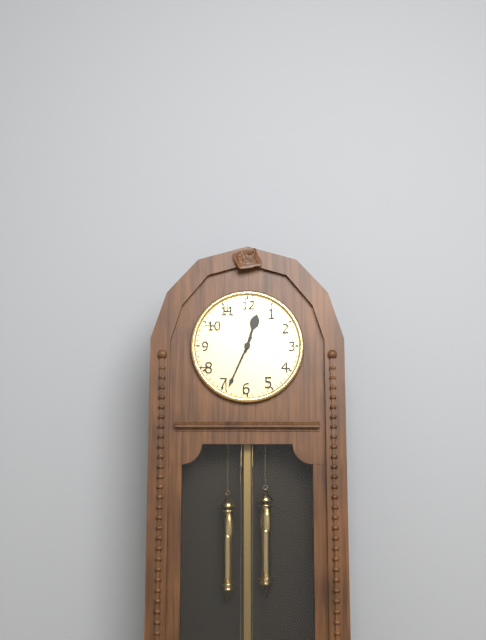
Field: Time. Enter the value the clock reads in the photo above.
12:34
